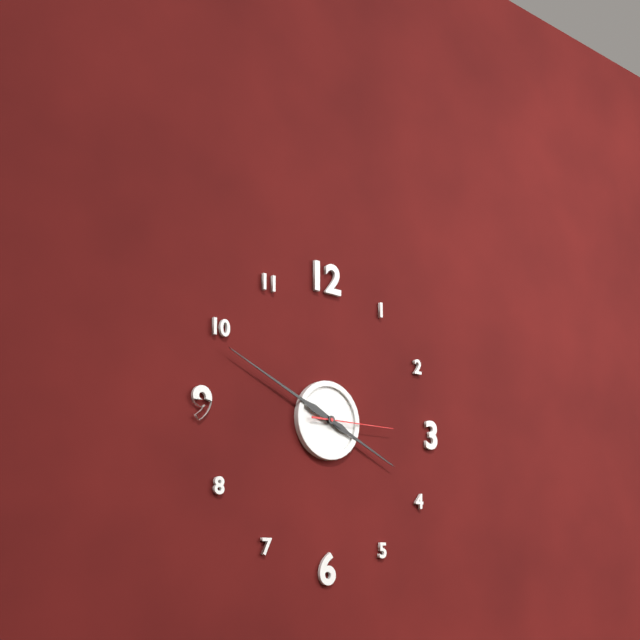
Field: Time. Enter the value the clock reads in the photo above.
3:49:15
